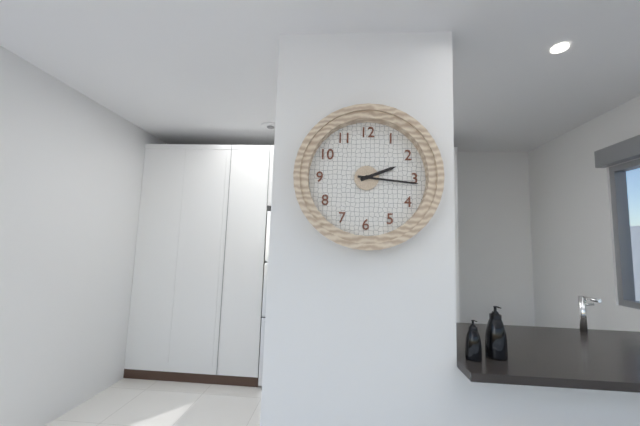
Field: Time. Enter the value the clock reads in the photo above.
2:16
